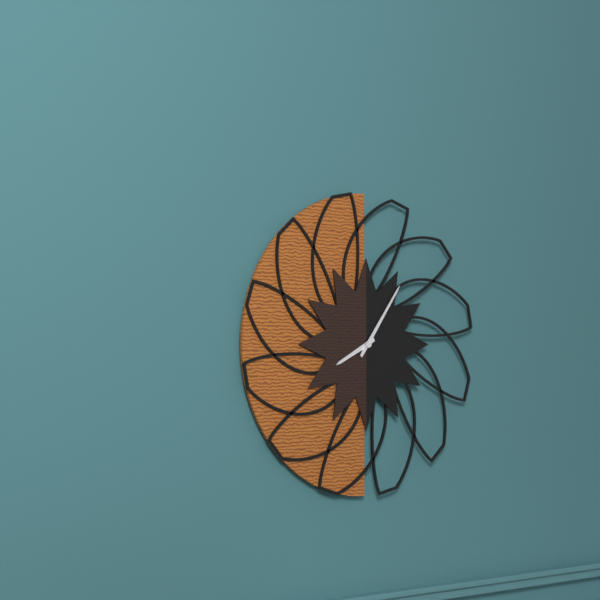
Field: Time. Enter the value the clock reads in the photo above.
8:06
